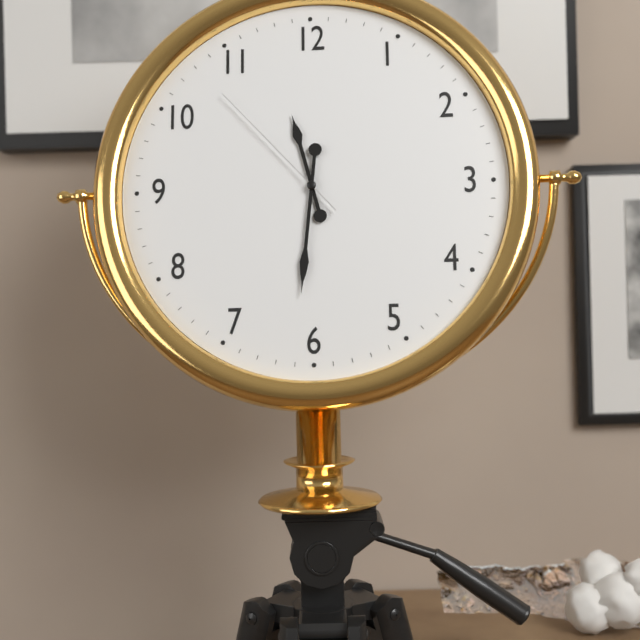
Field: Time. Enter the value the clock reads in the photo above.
11:31:53
